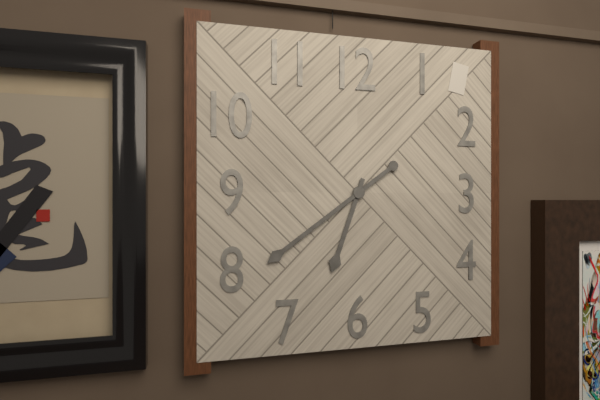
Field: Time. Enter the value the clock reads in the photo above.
6:39
